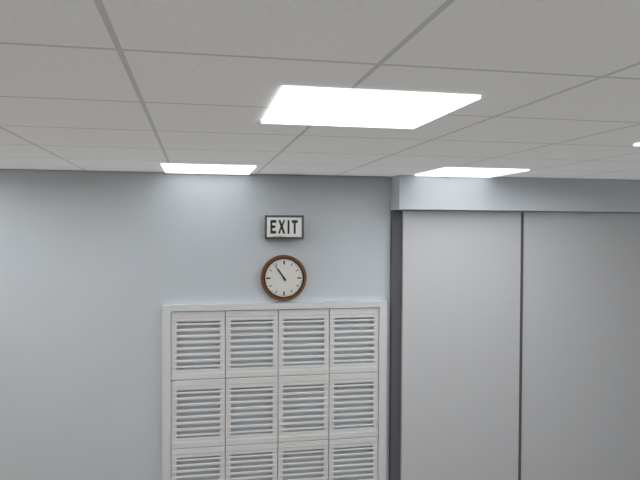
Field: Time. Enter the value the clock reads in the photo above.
10:54
